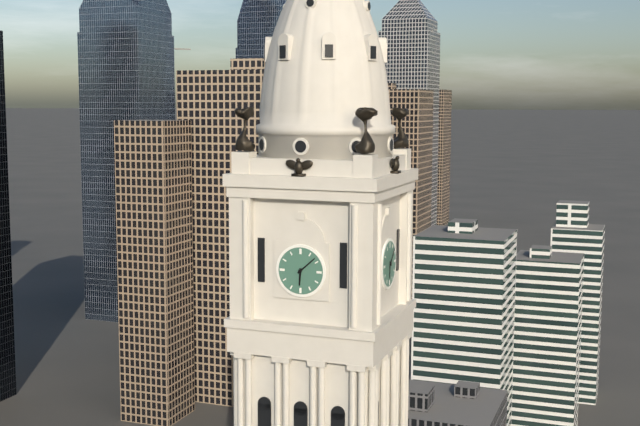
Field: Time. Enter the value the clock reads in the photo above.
6:08
